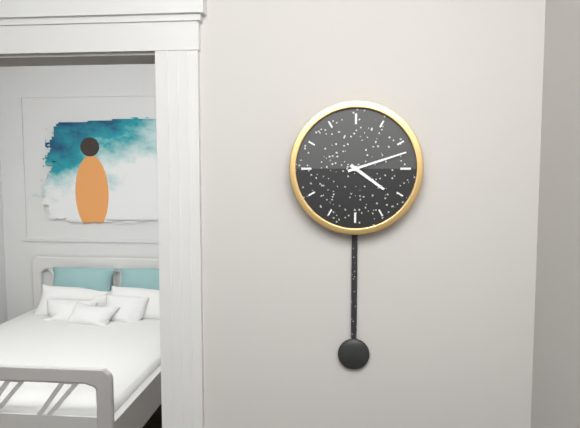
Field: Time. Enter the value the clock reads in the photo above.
4:12
